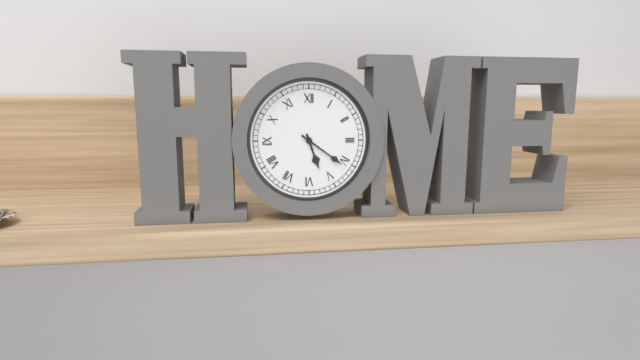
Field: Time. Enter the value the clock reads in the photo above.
5:21
